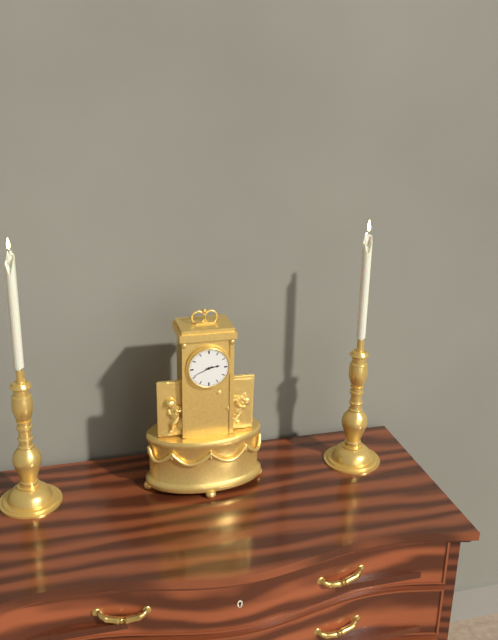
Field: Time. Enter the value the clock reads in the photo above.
2:41
